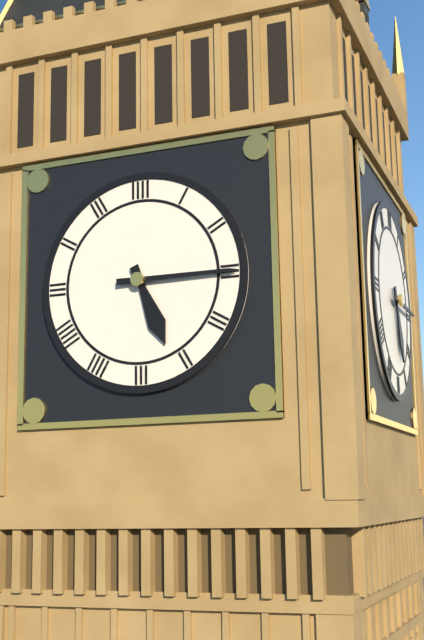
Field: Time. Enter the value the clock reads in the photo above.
5:15
